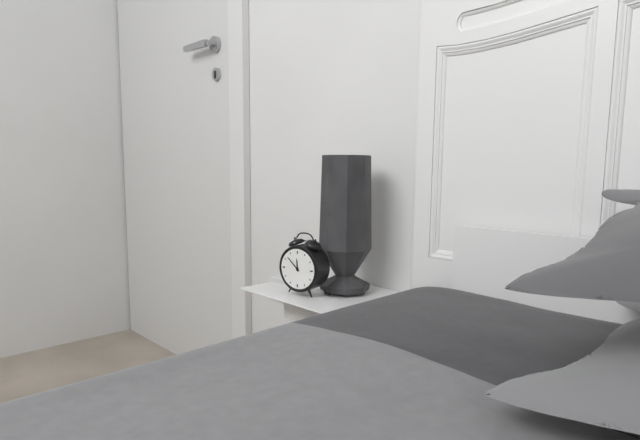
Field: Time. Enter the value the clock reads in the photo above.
11:52
